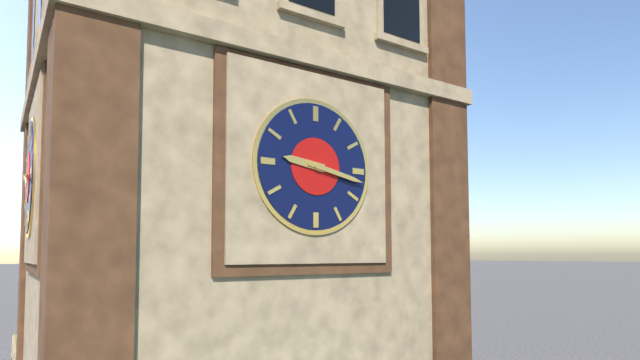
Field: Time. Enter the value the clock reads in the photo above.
9:17
